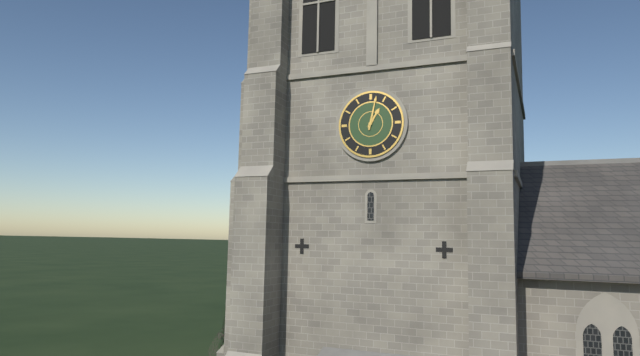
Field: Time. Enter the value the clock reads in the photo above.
1:02
